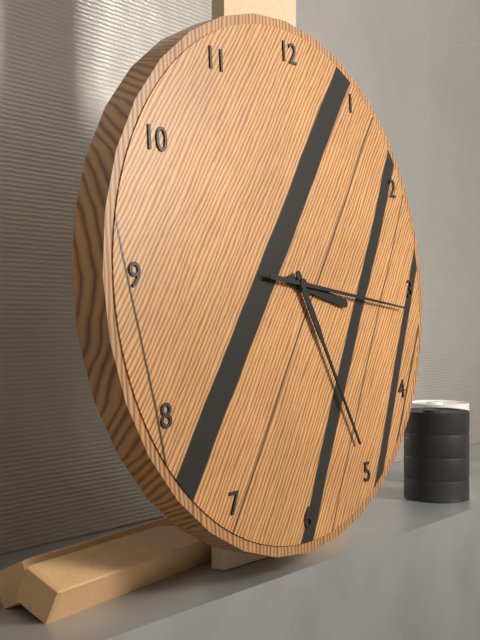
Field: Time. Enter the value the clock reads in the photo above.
3:25:16
